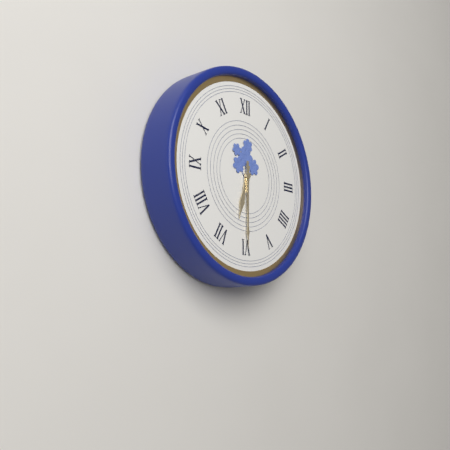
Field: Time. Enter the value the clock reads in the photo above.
6:30
